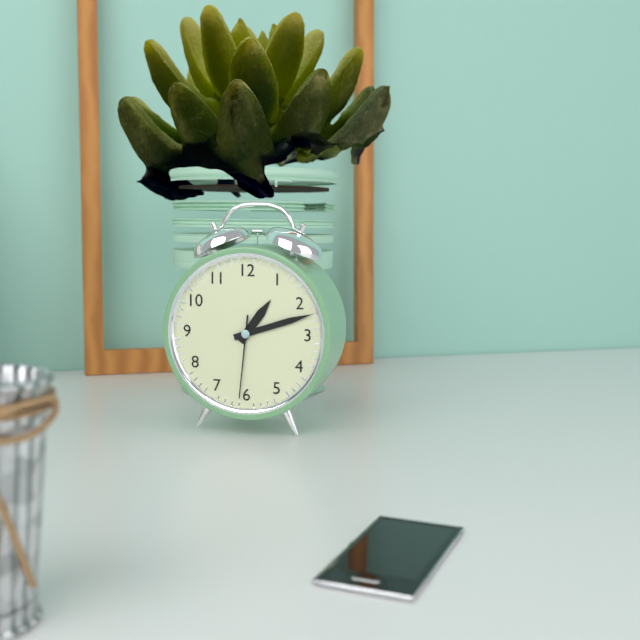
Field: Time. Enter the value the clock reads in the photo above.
1:12:31
